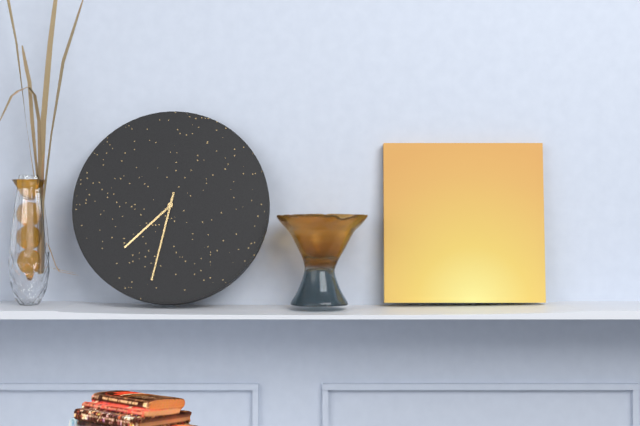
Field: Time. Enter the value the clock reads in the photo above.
7:32
